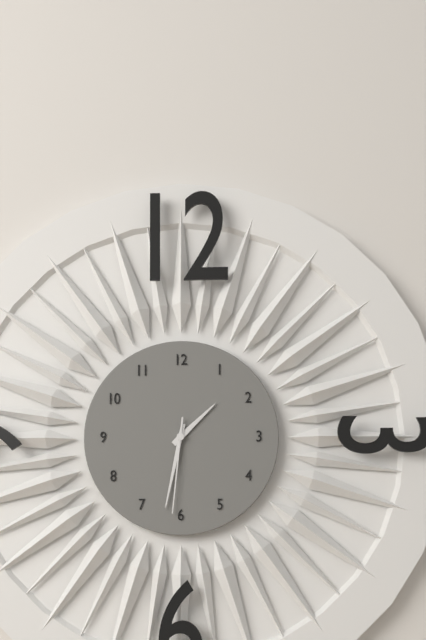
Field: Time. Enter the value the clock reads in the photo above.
1:32:31
